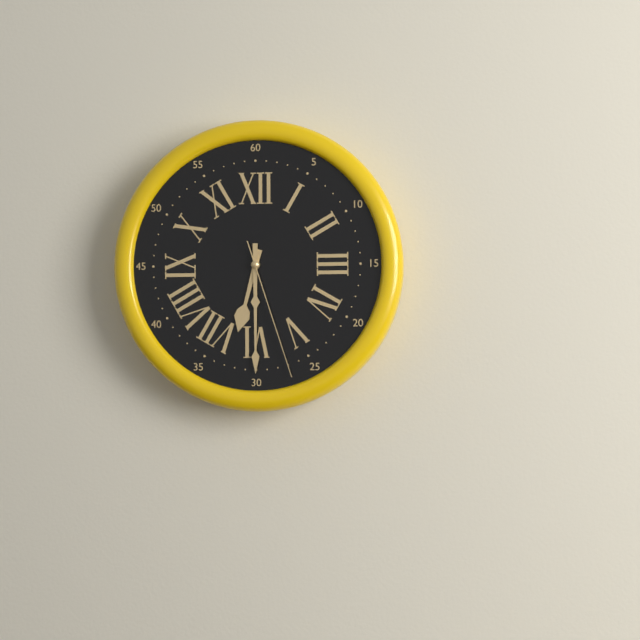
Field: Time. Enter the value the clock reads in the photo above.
6:30:27
